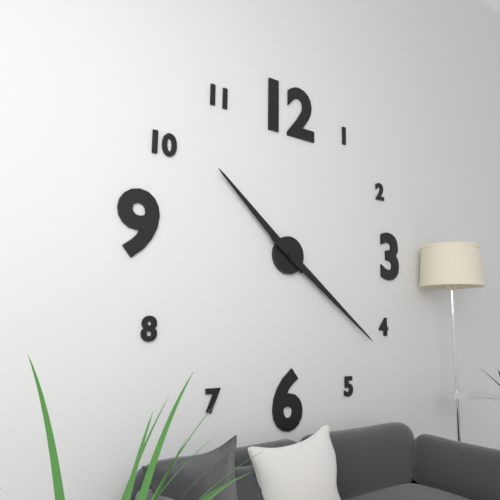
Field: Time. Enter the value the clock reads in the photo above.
10:21
